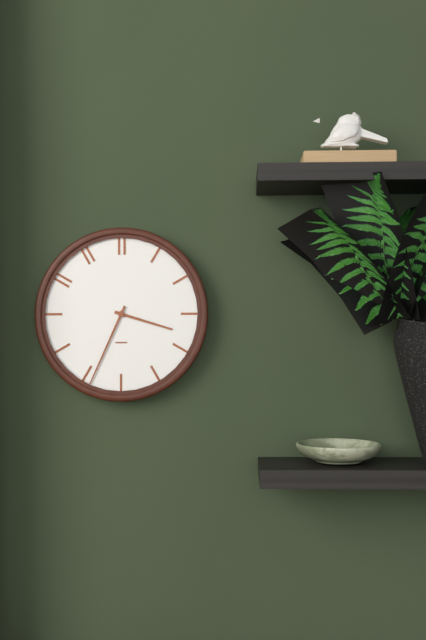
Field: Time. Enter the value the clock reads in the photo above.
3:34
